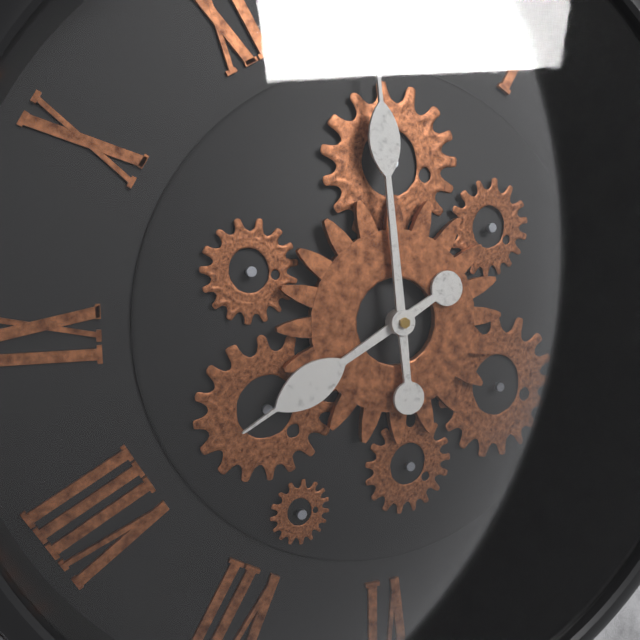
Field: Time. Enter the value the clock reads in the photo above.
7:59
